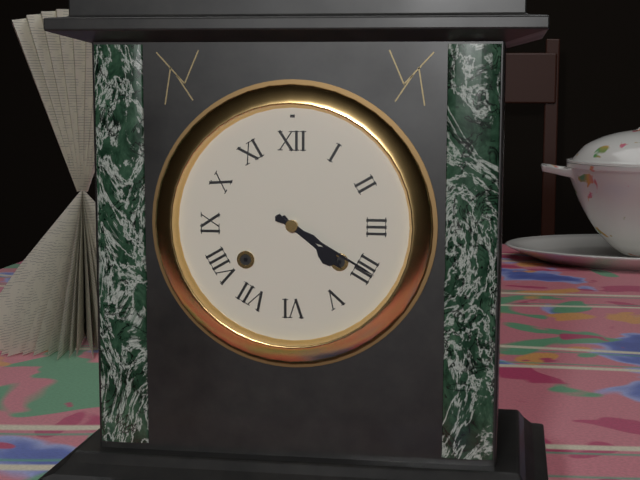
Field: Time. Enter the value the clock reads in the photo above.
4:20
